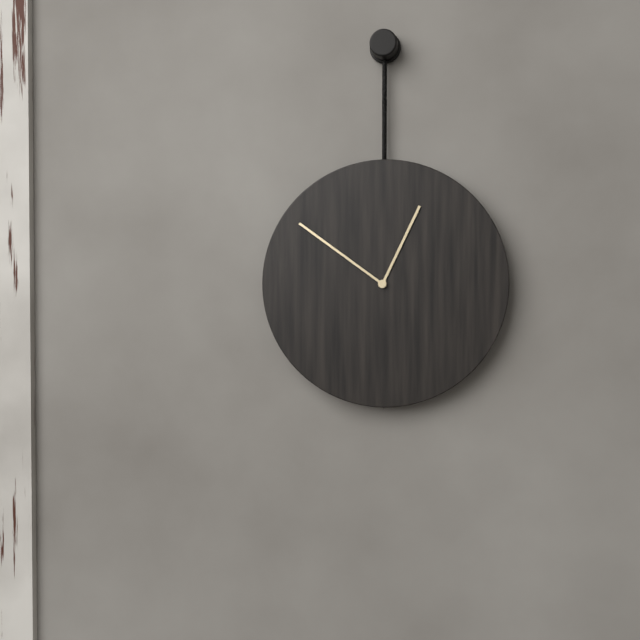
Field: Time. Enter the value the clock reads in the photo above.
12:51
